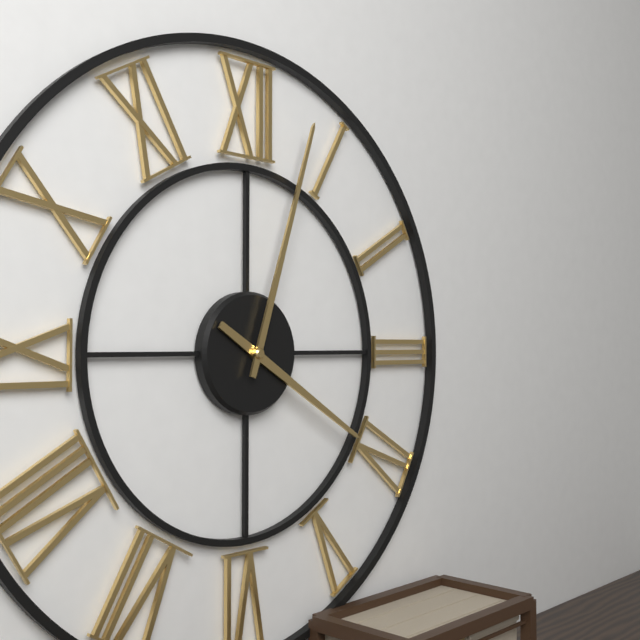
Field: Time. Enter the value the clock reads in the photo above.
4:03
